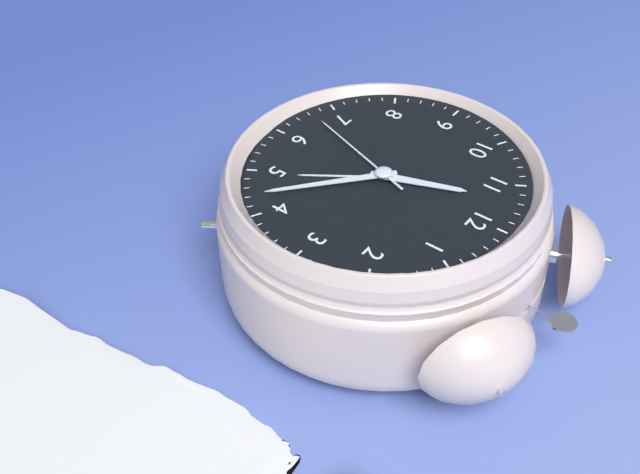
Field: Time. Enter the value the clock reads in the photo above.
11:22:33
